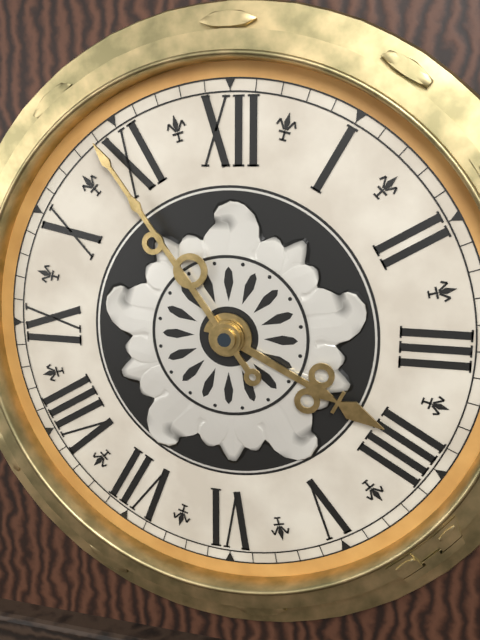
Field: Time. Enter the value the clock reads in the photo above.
3:54
